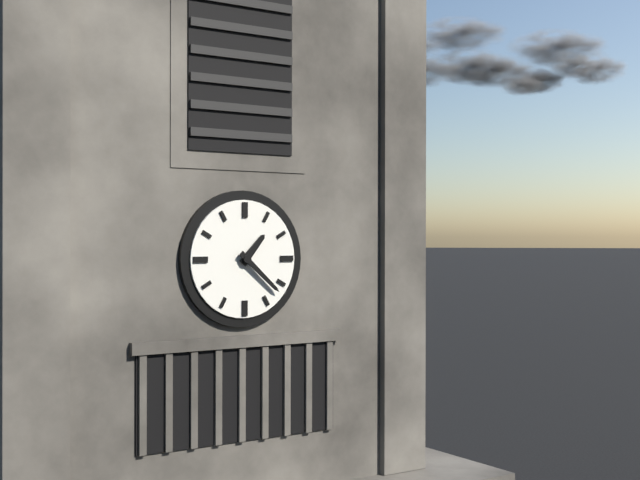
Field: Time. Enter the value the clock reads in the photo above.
1:22
